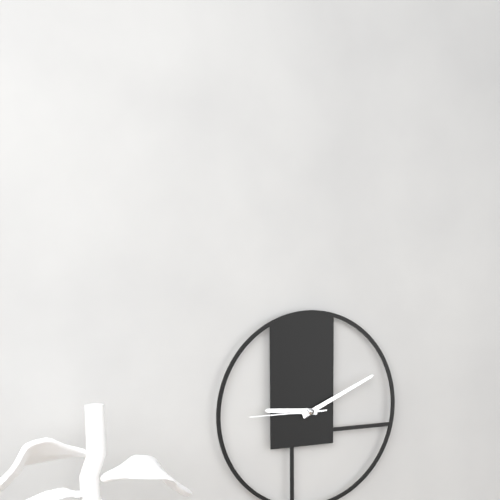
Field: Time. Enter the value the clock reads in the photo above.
9:11:45
